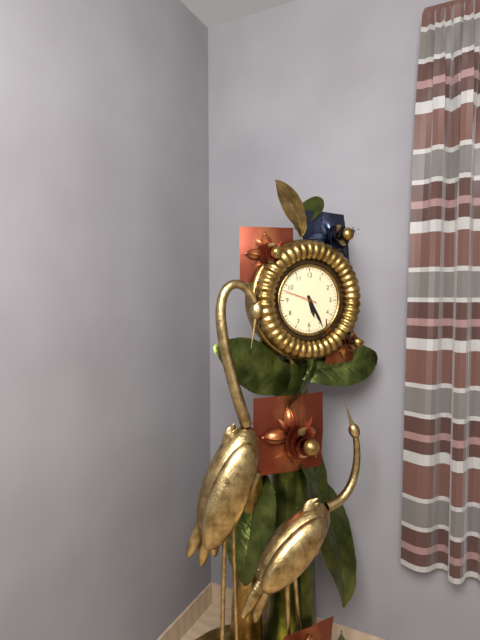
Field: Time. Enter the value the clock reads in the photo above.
5:25
